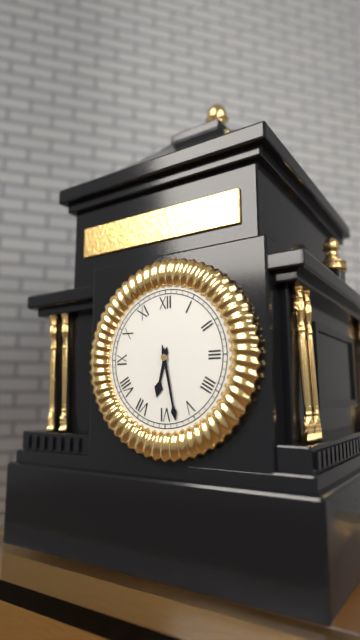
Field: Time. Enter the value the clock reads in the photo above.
6:28
